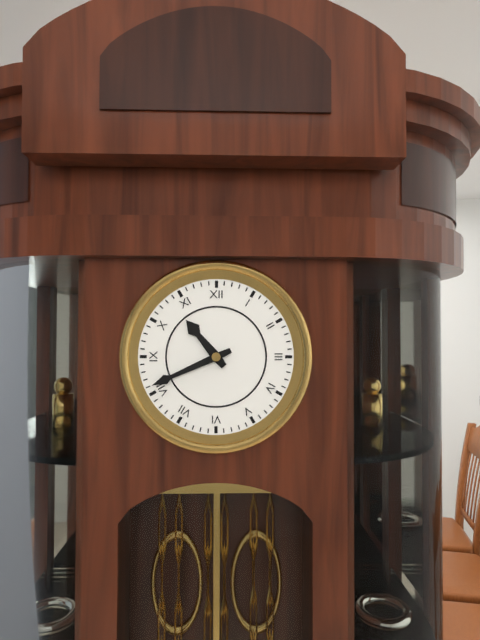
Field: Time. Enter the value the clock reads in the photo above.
10:41
